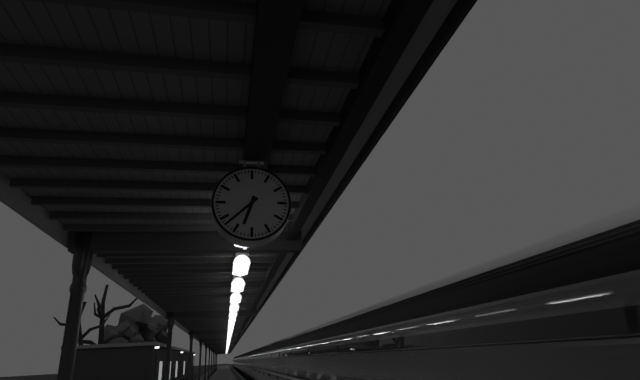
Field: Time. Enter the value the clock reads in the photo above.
6:38
